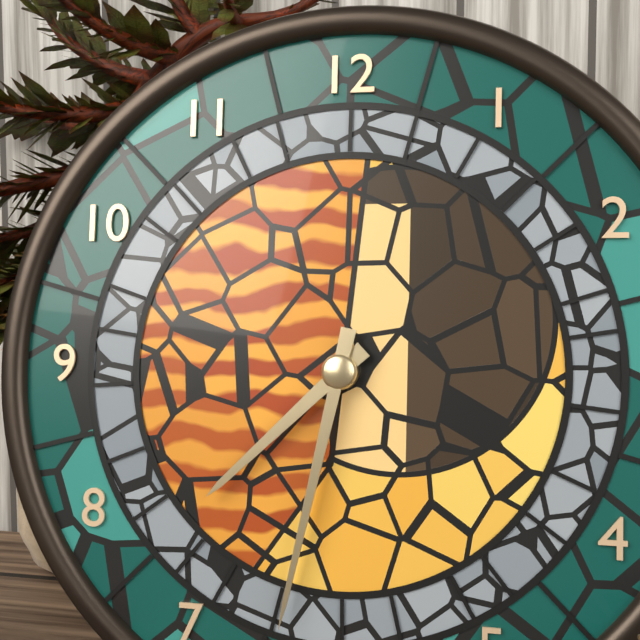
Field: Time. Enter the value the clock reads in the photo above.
7:32
